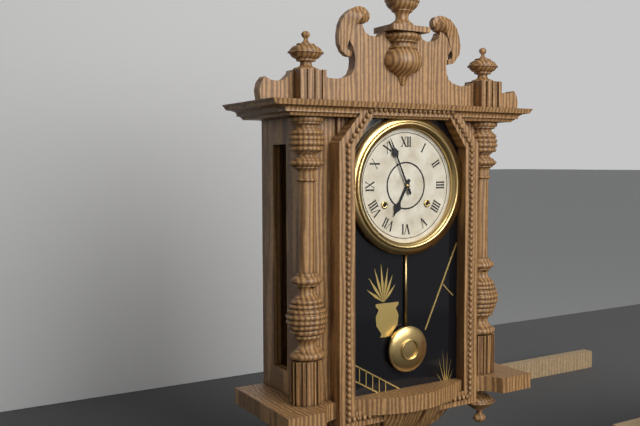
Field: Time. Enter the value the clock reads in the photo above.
6:56
